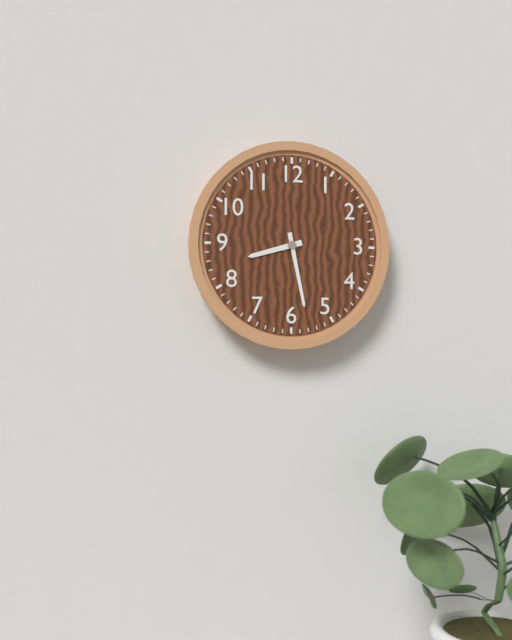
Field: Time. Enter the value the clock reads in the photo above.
8:28
